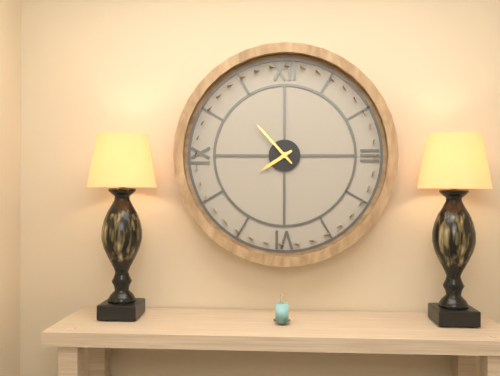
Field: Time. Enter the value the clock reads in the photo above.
7:53
